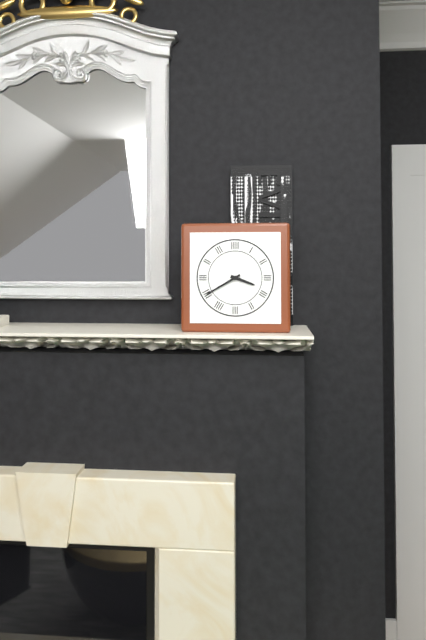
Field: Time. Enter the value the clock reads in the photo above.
3:40
